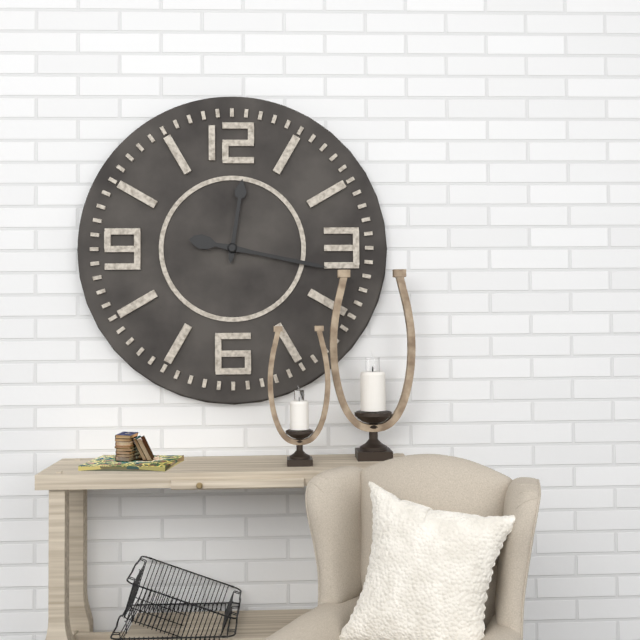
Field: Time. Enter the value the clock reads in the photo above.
12:17
